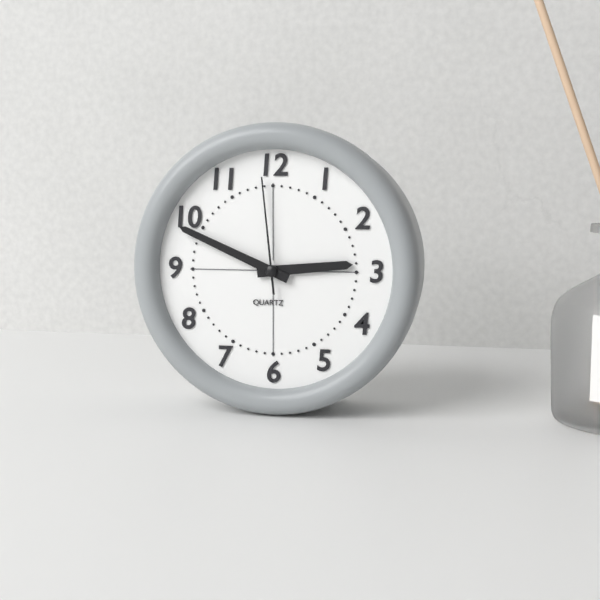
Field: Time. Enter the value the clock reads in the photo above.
2:49:59
